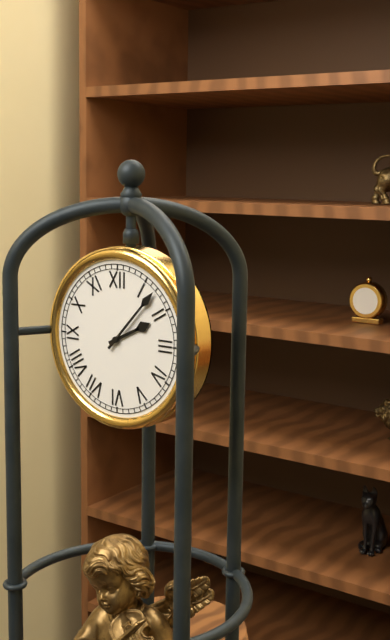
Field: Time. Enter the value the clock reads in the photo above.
2:07
